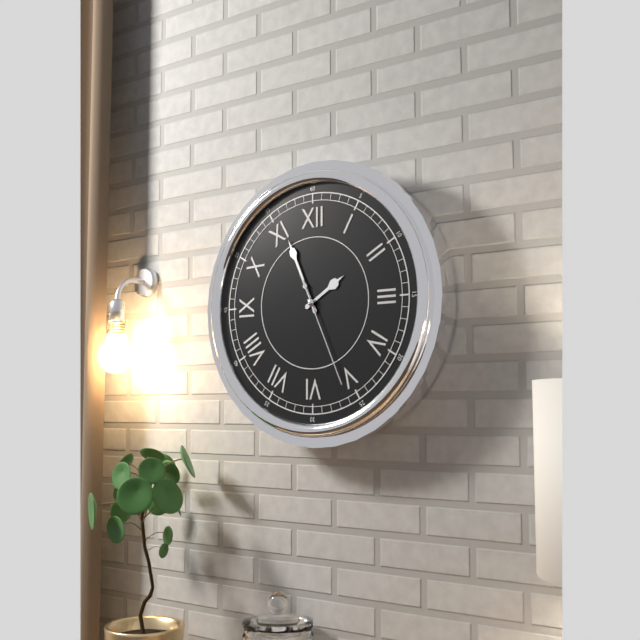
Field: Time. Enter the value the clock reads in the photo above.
1:56:26
